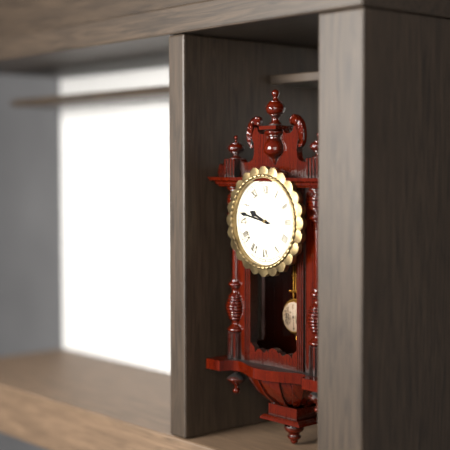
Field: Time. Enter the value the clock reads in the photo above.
9:47
